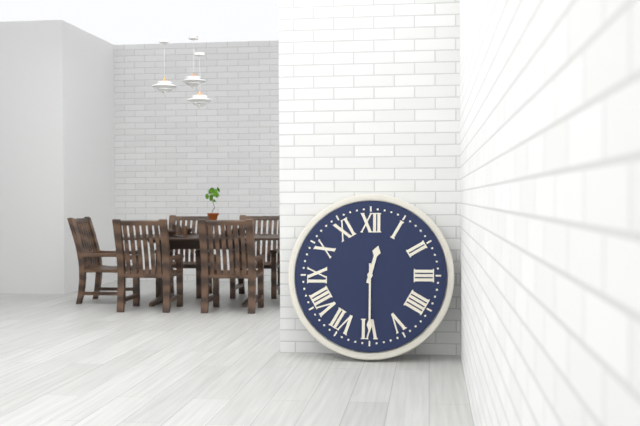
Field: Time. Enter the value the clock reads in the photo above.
12:30
